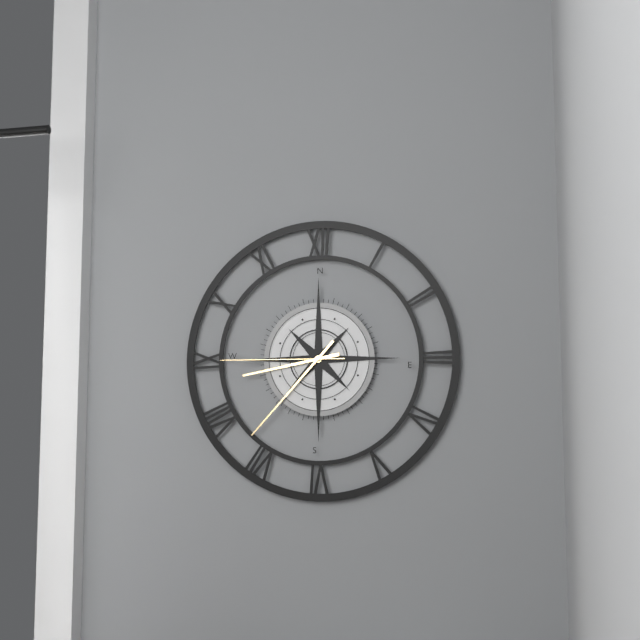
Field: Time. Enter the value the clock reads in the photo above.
8:37:45
